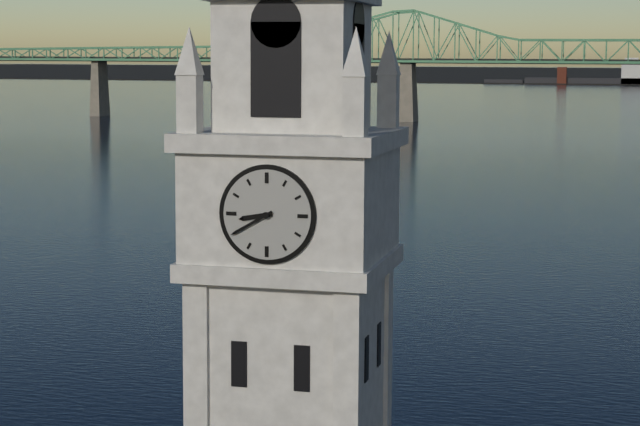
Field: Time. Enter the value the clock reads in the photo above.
8:40
